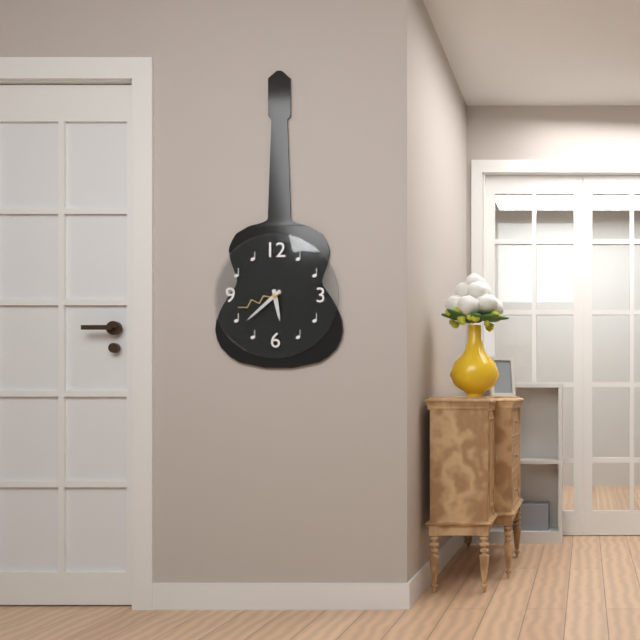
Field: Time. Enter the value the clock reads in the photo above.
5:38
